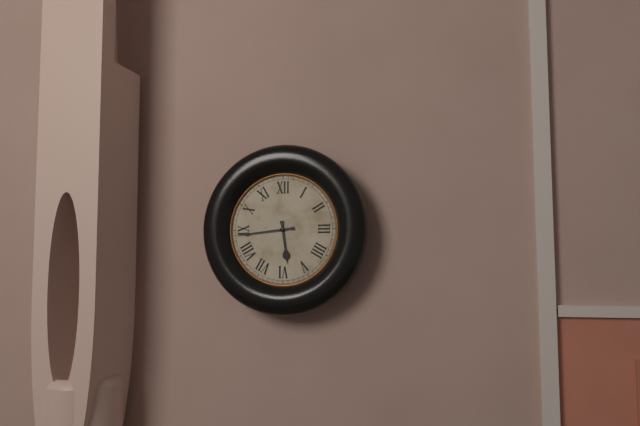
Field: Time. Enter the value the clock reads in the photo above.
5:44
